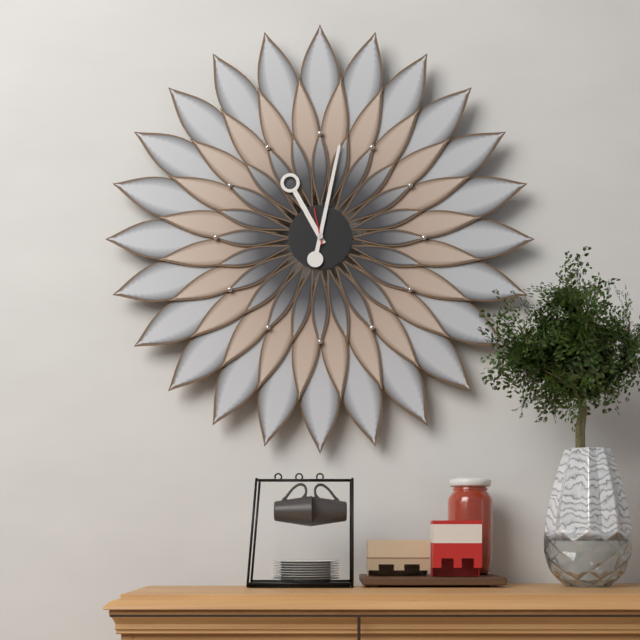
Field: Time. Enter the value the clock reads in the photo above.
11:02
